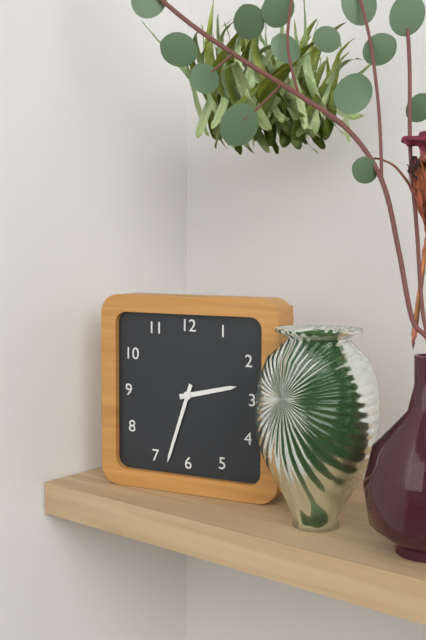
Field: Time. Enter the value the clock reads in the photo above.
2:33
